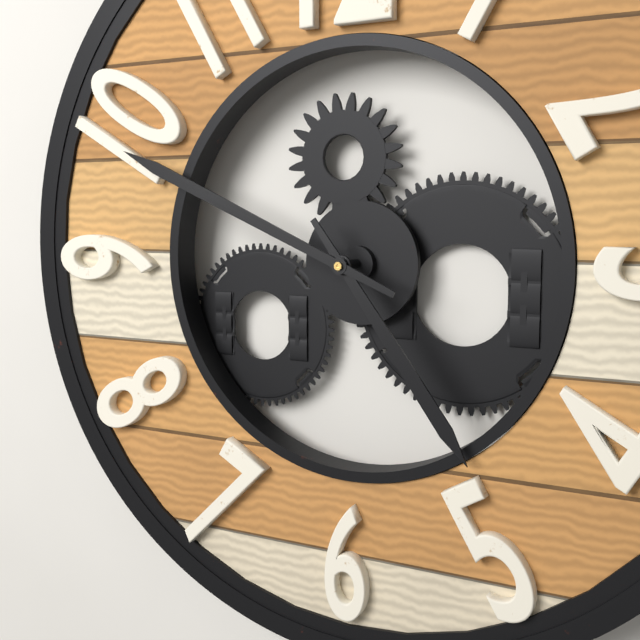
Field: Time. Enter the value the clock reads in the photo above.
4:49
